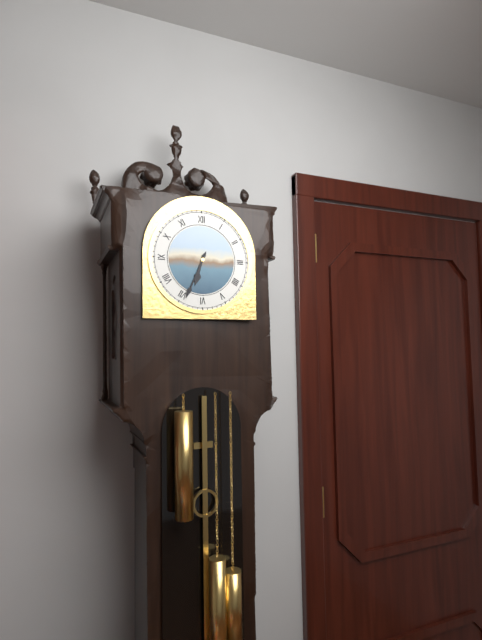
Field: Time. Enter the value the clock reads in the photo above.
6:34
